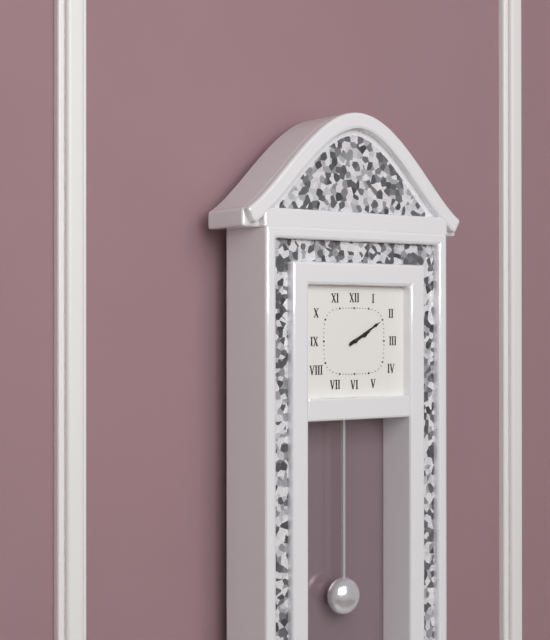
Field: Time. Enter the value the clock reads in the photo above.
2:10
